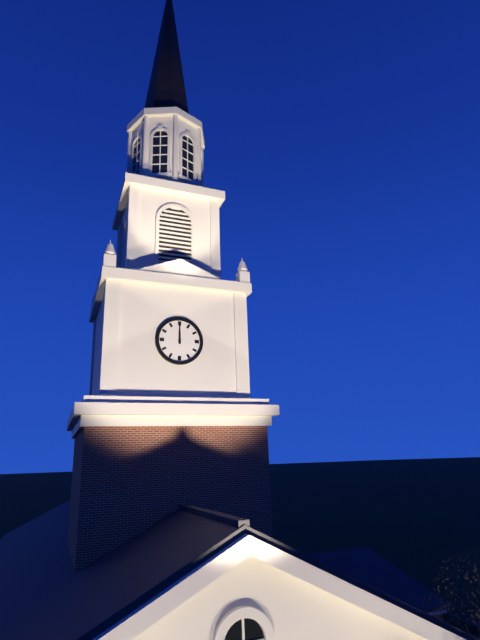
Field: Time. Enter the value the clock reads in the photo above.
12:00
